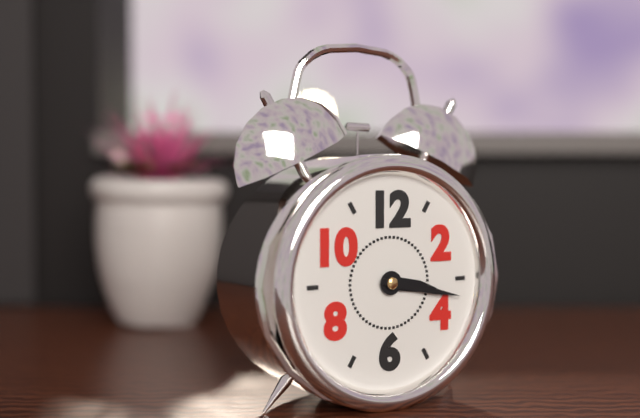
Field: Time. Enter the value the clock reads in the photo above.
3:17
